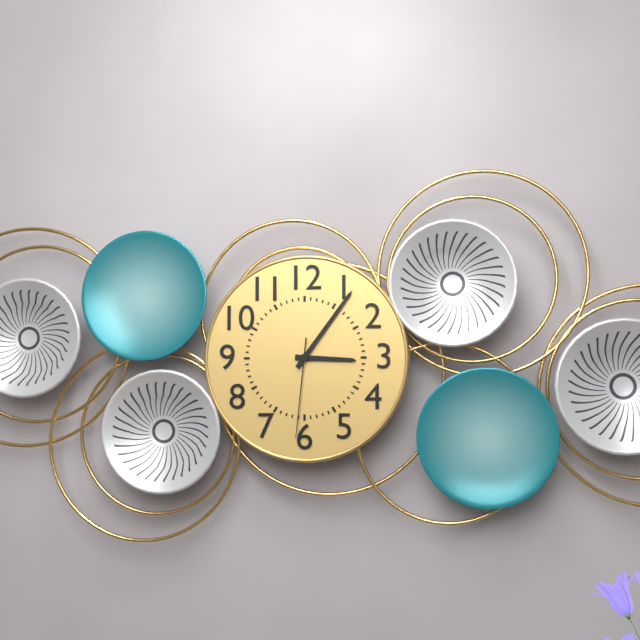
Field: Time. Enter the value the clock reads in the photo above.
3:06:31
